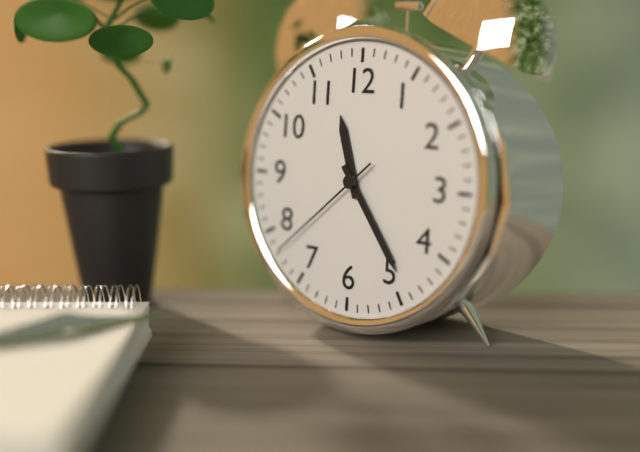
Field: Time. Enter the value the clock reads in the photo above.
11:24:38
